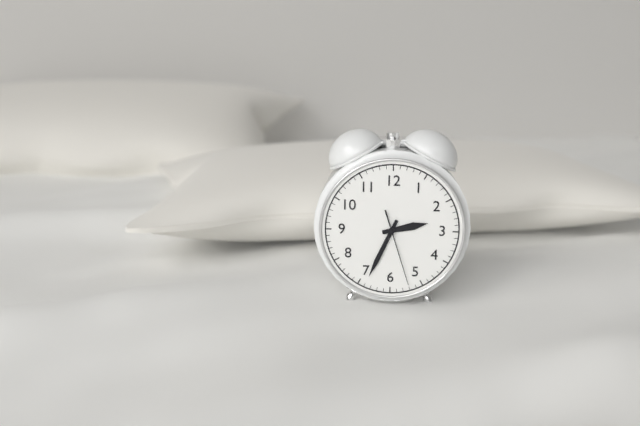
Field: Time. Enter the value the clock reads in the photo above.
2:34:27
